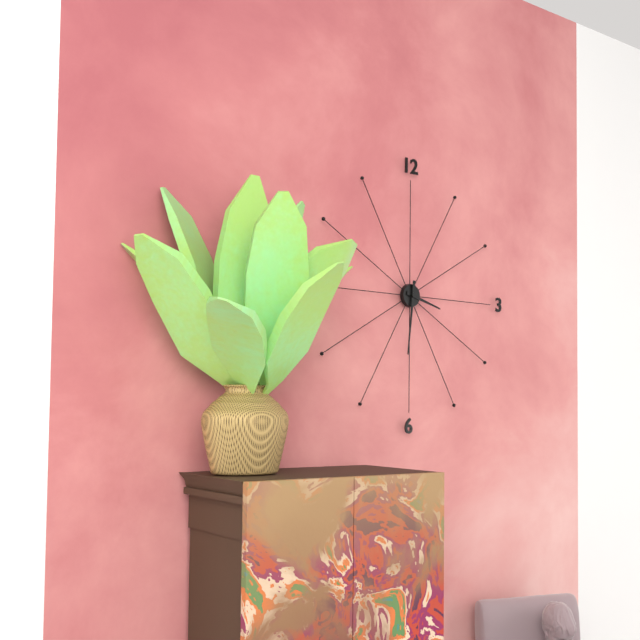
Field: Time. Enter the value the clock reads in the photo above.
3:31
